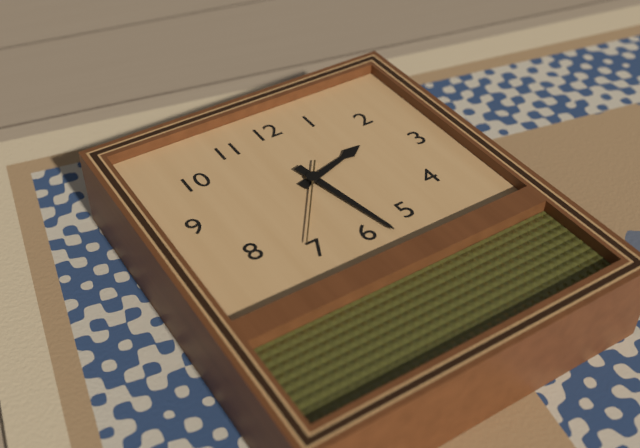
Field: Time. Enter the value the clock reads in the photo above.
2:28:36
